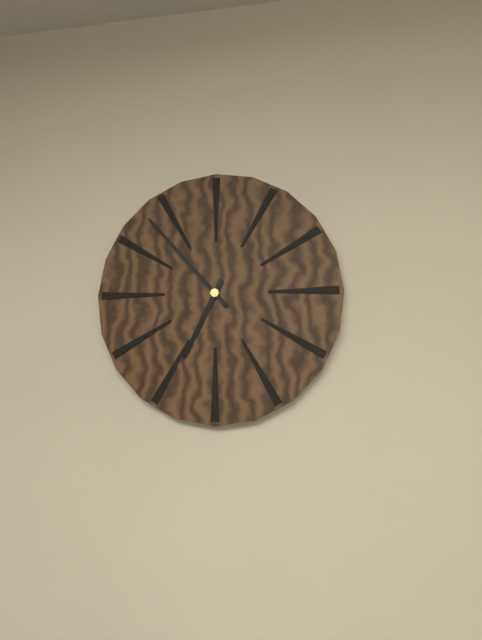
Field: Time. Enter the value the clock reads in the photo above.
6:53
